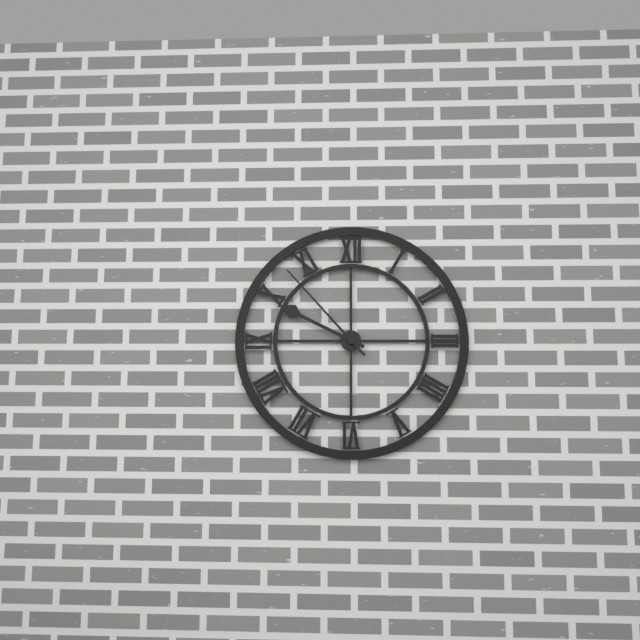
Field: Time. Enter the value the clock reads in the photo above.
9:53
